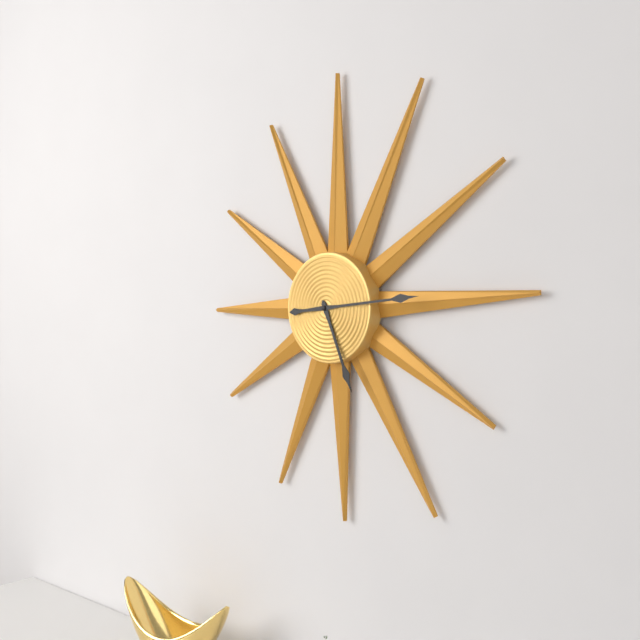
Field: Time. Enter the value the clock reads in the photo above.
5:14
